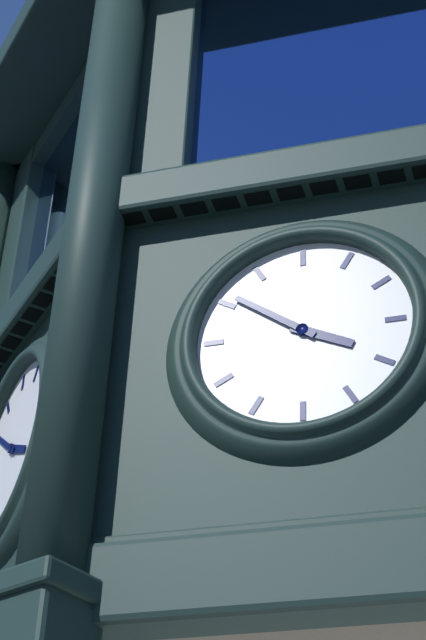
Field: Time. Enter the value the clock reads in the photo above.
3:51
